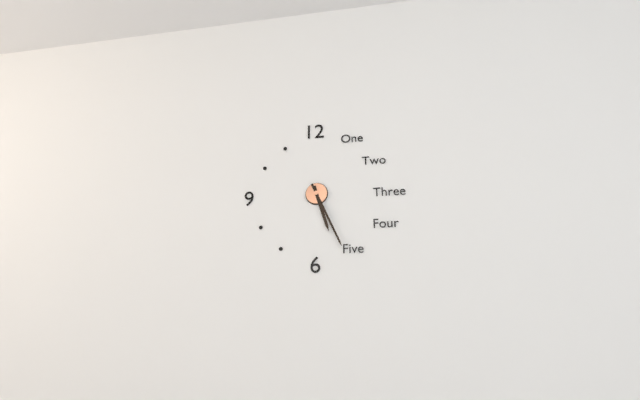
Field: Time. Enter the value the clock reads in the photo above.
5:26
